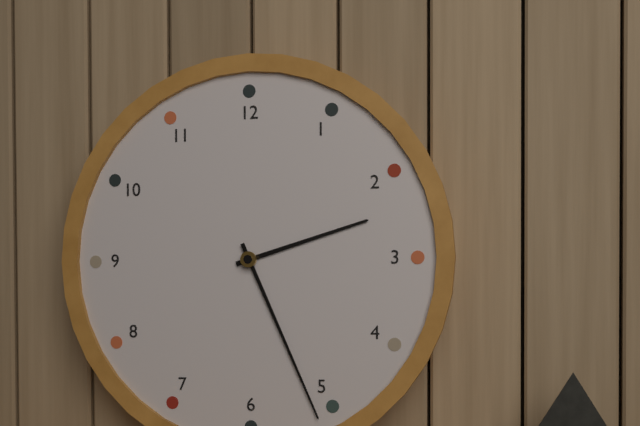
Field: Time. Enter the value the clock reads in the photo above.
2:26
